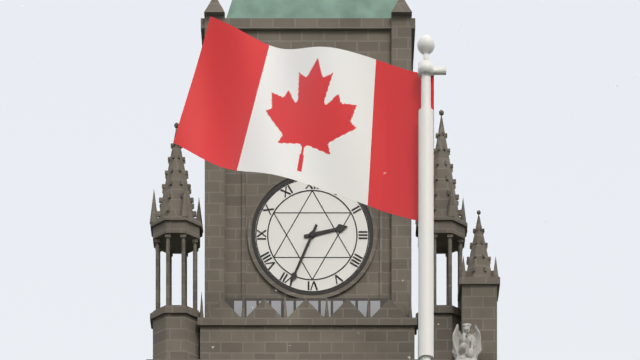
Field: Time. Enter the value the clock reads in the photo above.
2:34
